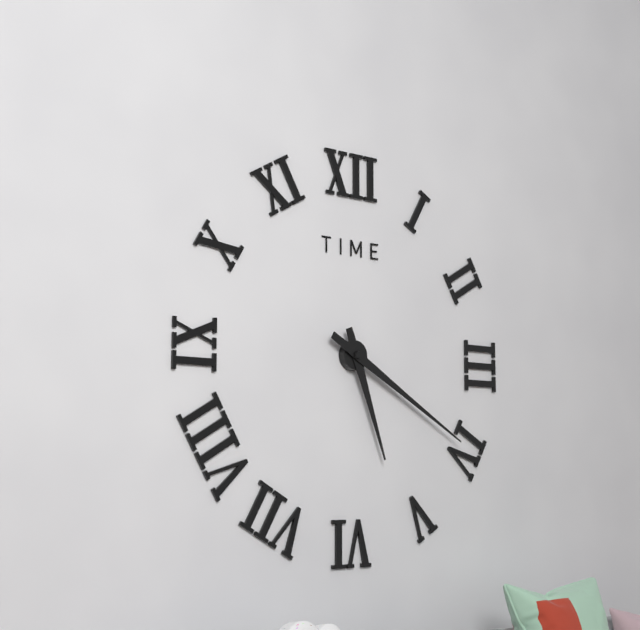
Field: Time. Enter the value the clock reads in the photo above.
5:20
